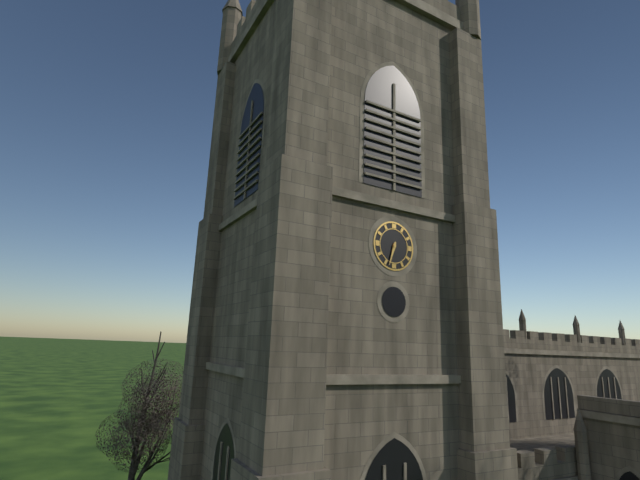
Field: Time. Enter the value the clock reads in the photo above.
6:33
